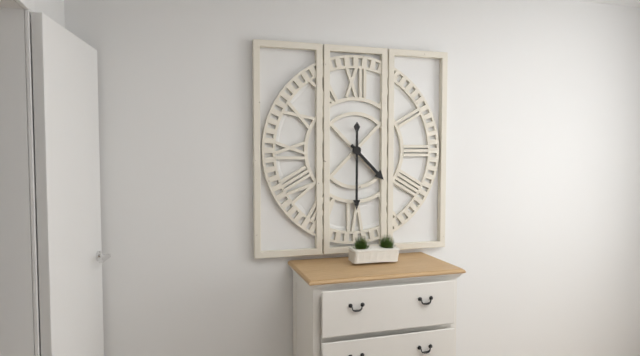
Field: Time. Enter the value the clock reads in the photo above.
4:30
